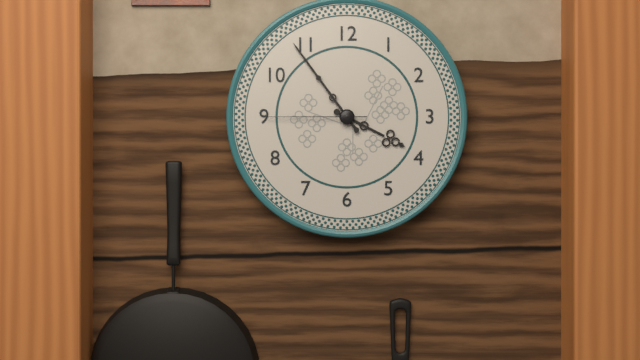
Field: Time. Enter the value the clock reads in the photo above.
3:54:45
